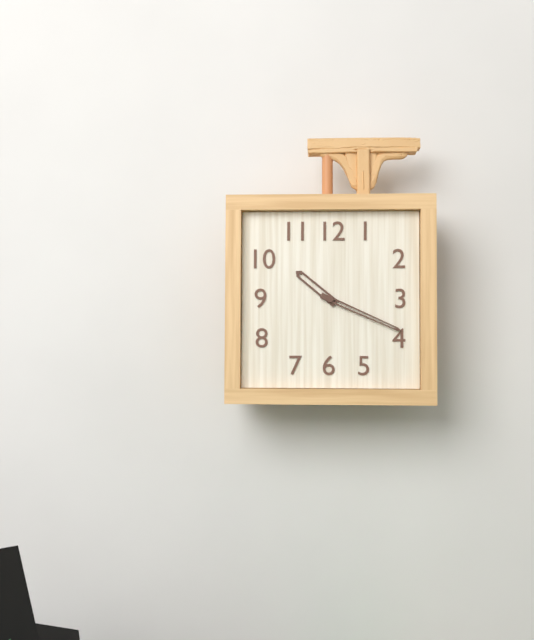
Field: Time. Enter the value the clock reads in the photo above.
10:19
